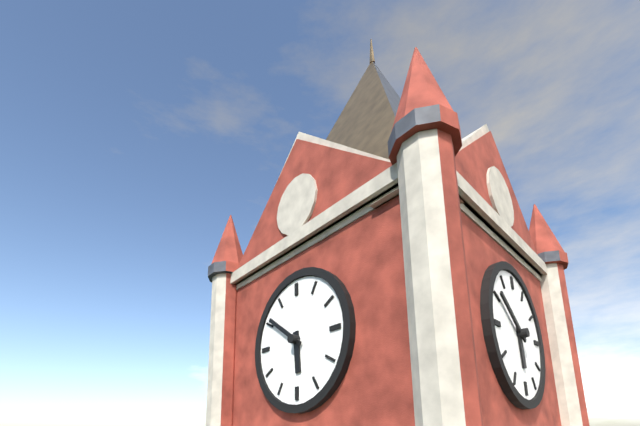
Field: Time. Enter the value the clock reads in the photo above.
5:51
